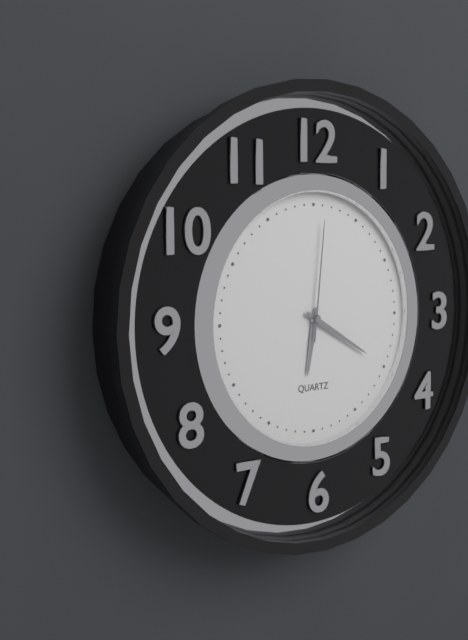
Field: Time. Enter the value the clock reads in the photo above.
6:20:01
